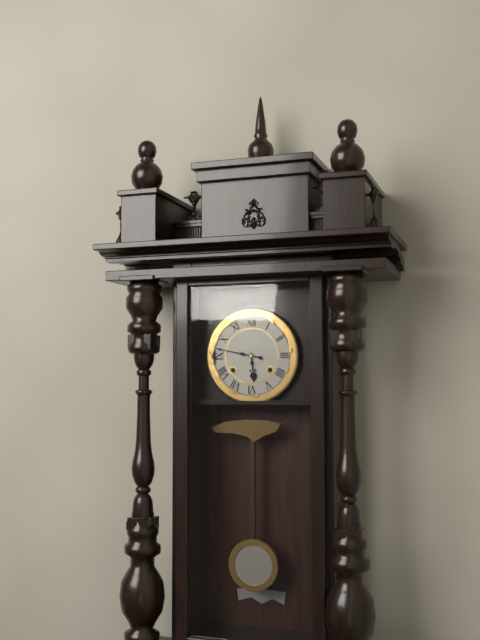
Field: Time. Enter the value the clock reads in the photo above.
5:47
